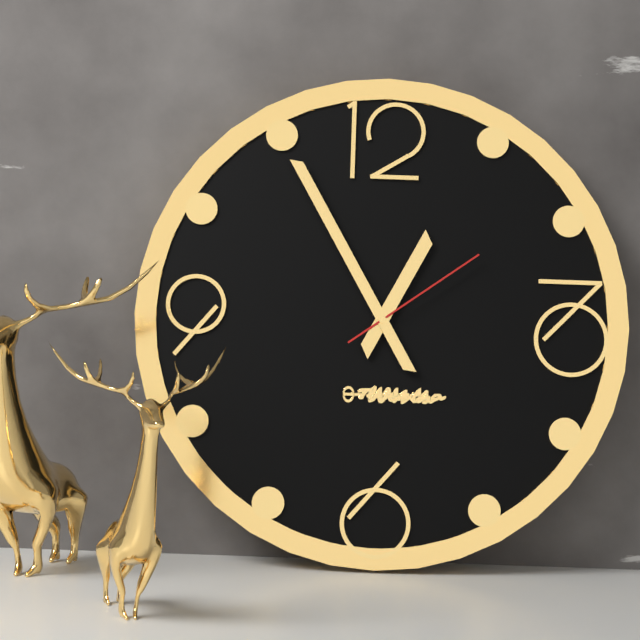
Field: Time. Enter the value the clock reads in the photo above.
12:55:09
